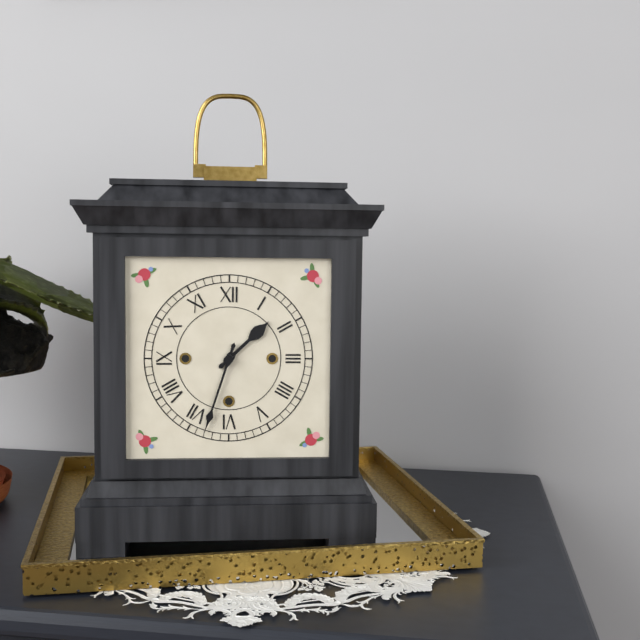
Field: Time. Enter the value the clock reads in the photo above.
1:33
